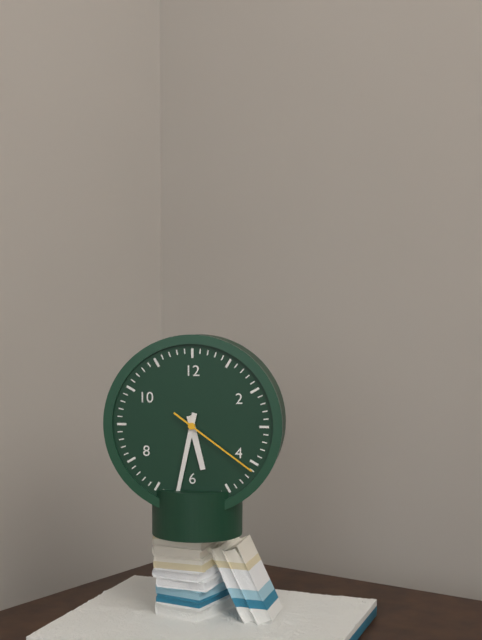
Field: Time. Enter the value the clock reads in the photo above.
5:32:21
